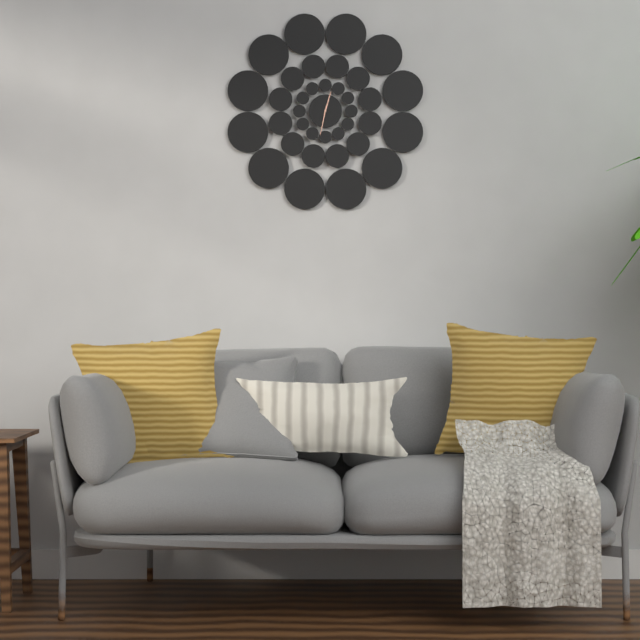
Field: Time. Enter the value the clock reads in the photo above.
12:32
